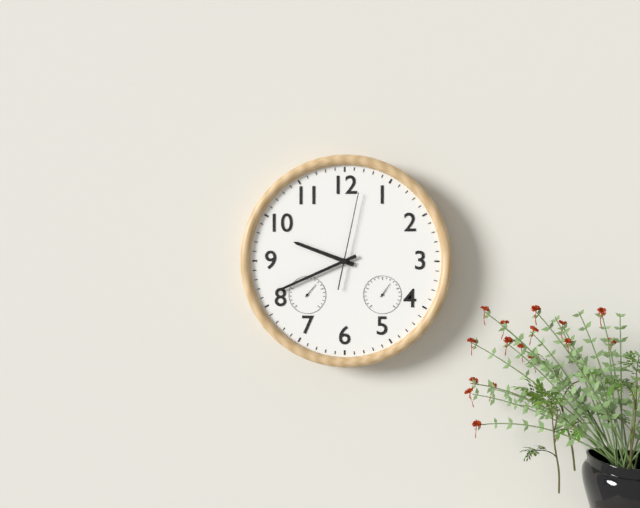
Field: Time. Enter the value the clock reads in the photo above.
9:41:02
